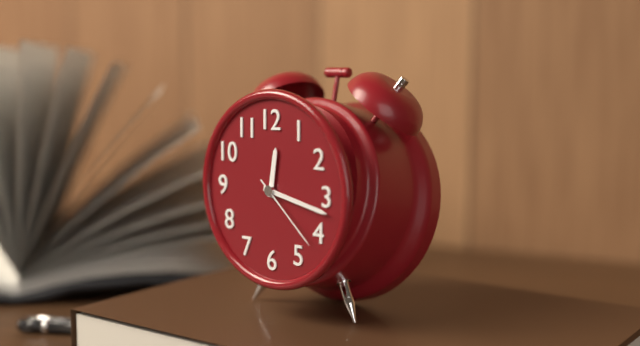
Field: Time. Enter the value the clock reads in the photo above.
12:17:22
